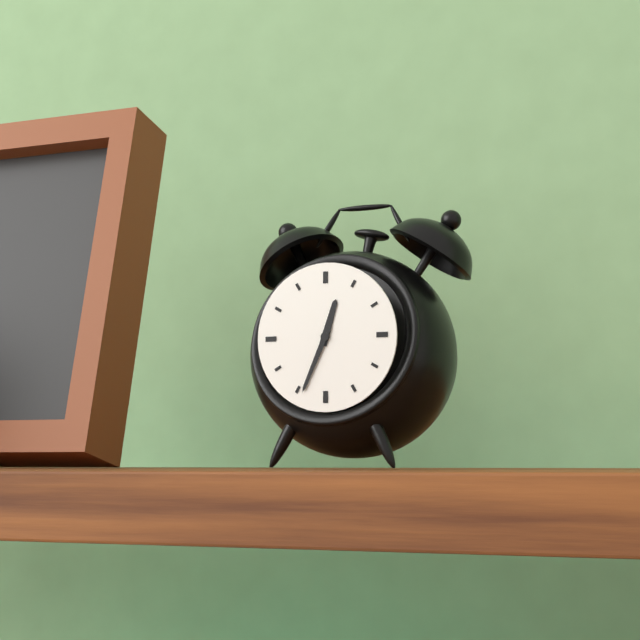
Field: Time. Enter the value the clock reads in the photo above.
12:34
